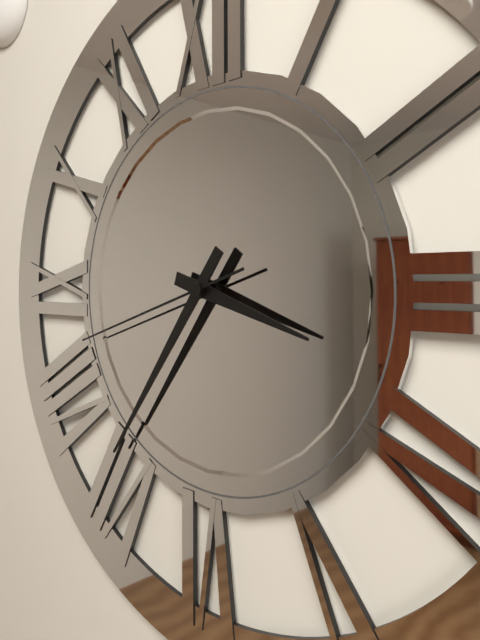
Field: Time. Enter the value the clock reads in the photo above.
3:36:42
